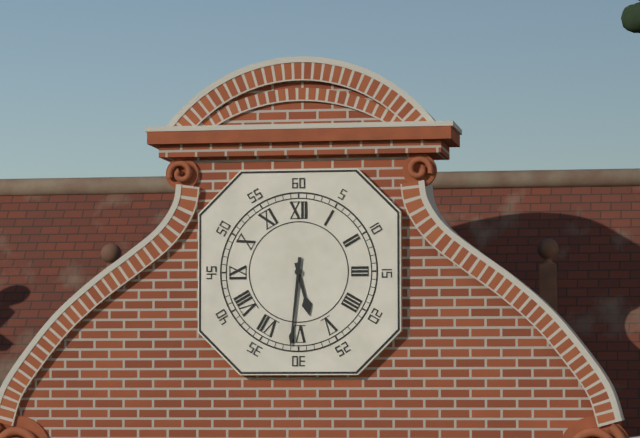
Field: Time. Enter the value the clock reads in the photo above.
5:31
